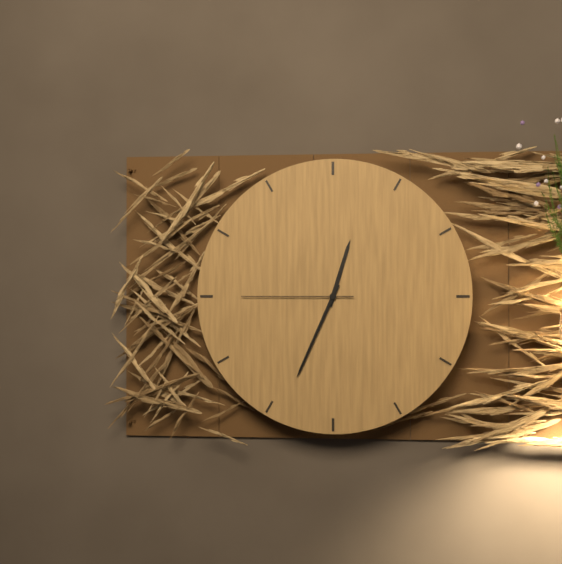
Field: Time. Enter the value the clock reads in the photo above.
12:34:45
